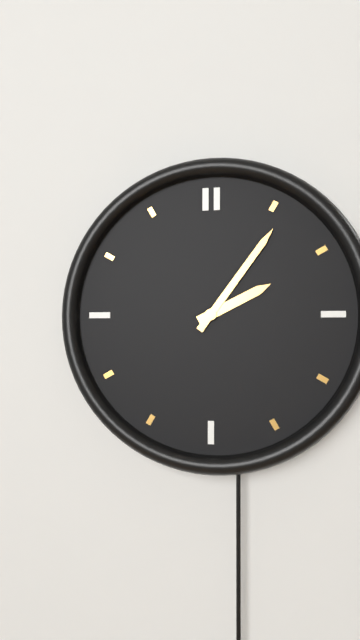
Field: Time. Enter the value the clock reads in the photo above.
2:06
